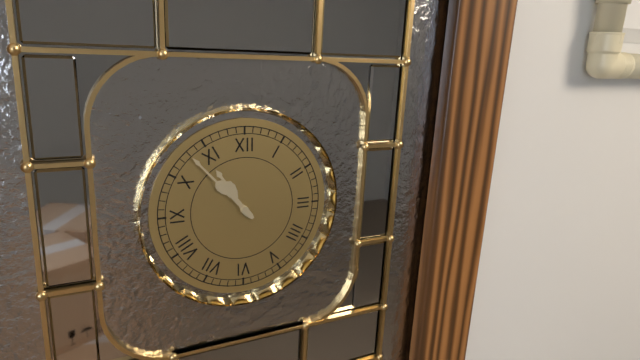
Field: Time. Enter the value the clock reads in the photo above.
10:53
